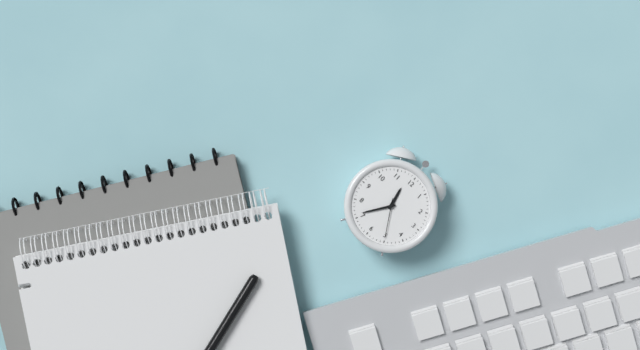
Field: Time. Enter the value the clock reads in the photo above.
11:36
